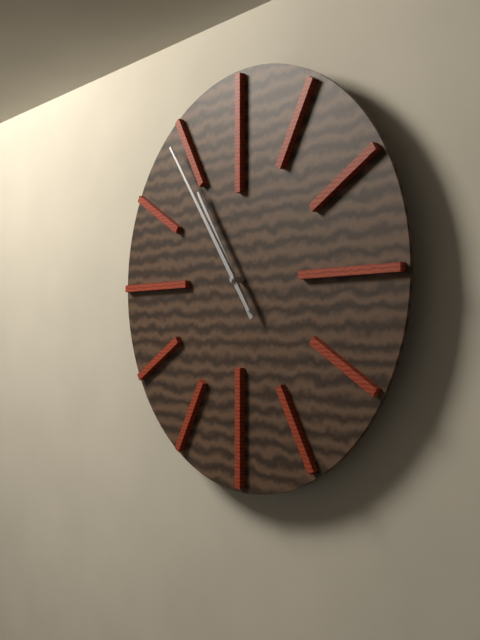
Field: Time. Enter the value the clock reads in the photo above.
10:54
